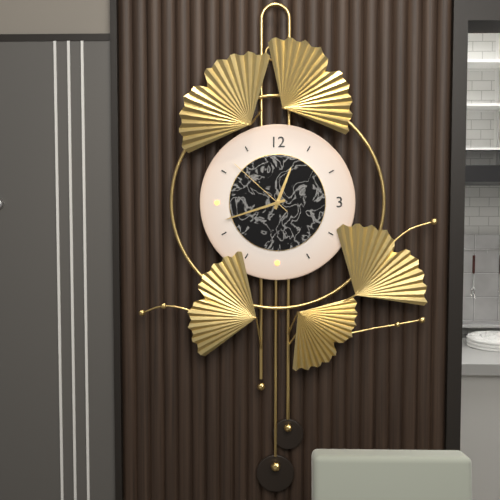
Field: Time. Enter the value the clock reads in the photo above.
12:42:52
